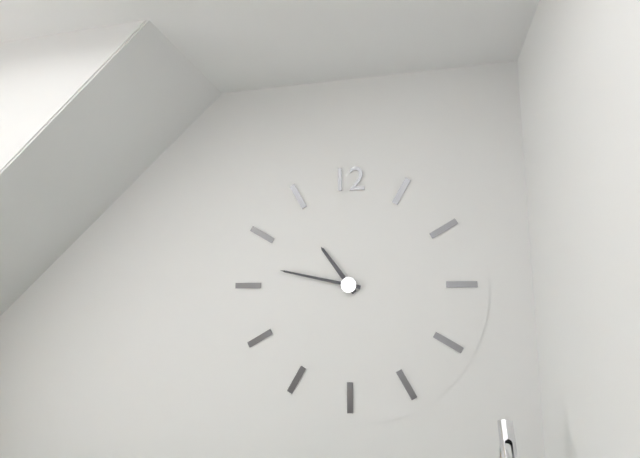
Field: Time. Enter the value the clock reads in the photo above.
10:47
